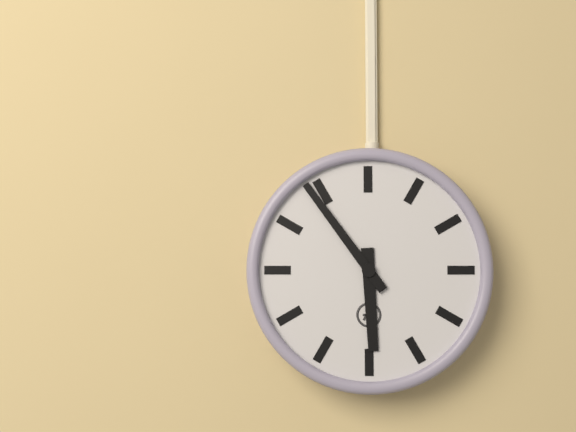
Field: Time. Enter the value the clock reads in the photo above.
5:54
